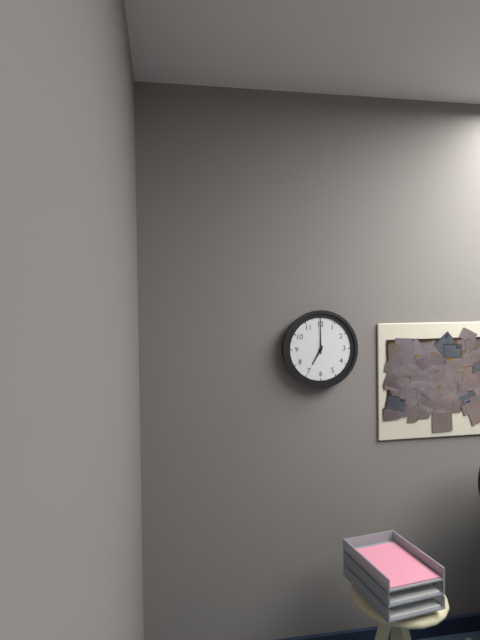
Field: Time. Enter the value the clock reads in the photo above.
7:00
